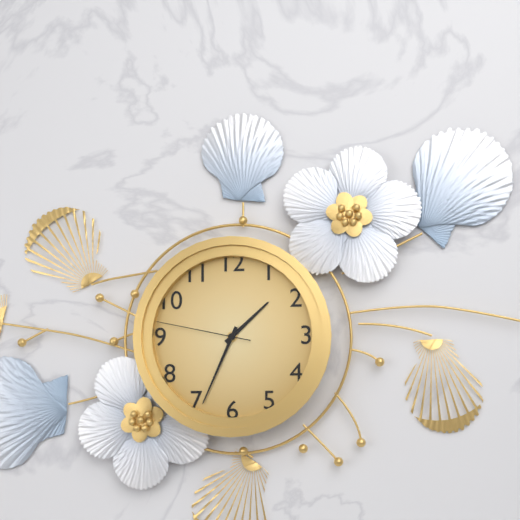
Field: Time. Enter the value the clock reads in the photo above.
1:34:47
